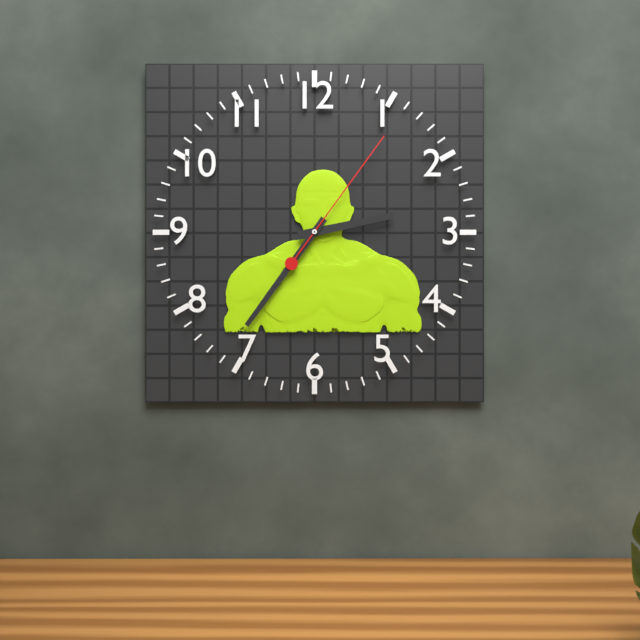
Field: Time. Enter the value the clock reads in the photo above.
2:36:06
